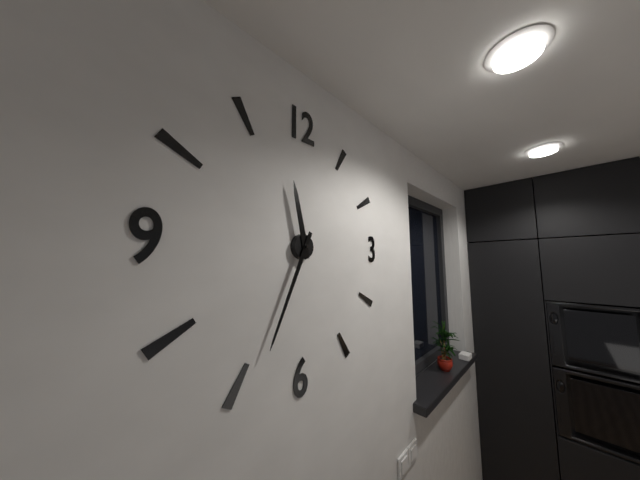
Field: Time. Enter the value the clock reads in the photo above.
11:34
